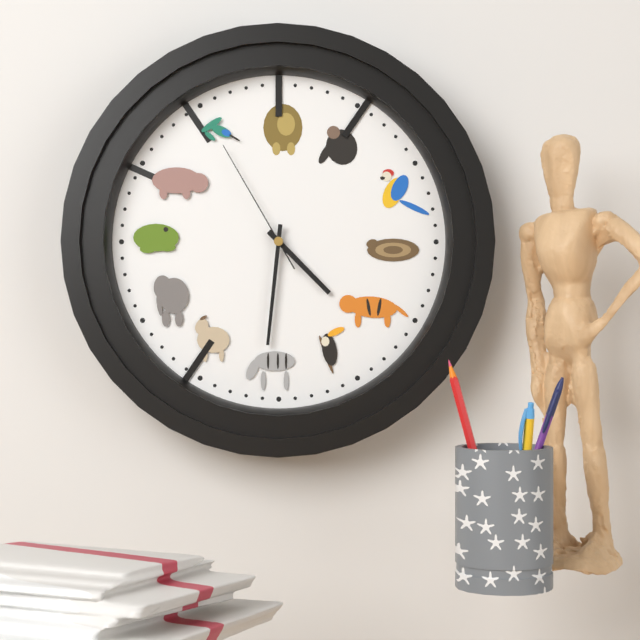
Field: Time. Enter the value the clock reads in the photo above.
4:31:55
